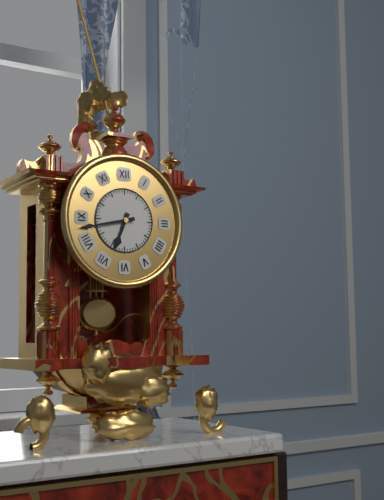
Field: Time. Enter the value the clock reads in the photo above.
6:43
